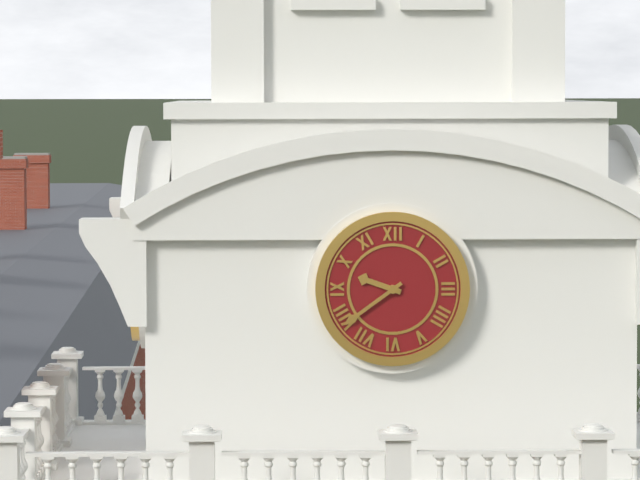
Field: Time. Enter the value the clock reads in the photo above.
9:39
